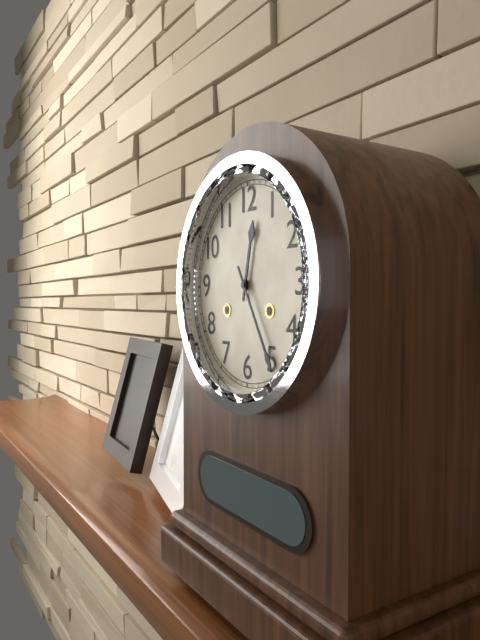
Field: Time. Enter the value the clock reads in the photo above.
12:25
